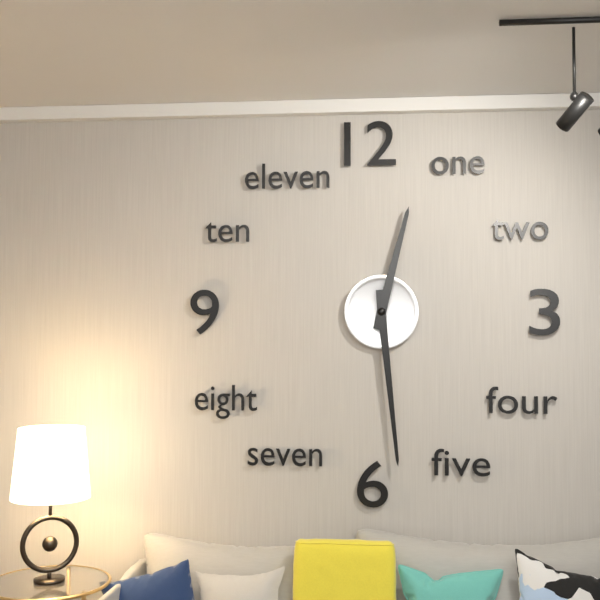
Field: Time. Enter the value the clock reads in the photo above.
12:29
